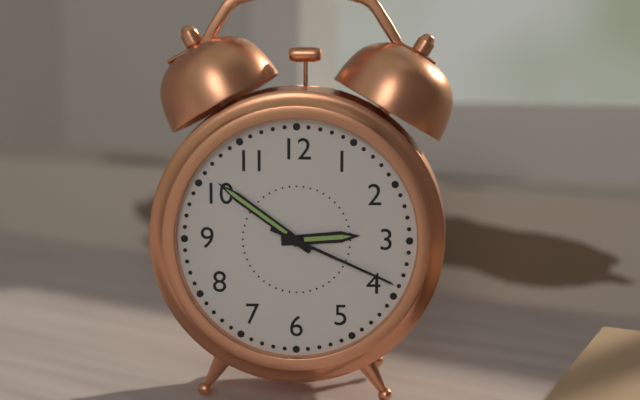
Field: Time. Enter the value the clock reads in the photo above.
2:51:19
